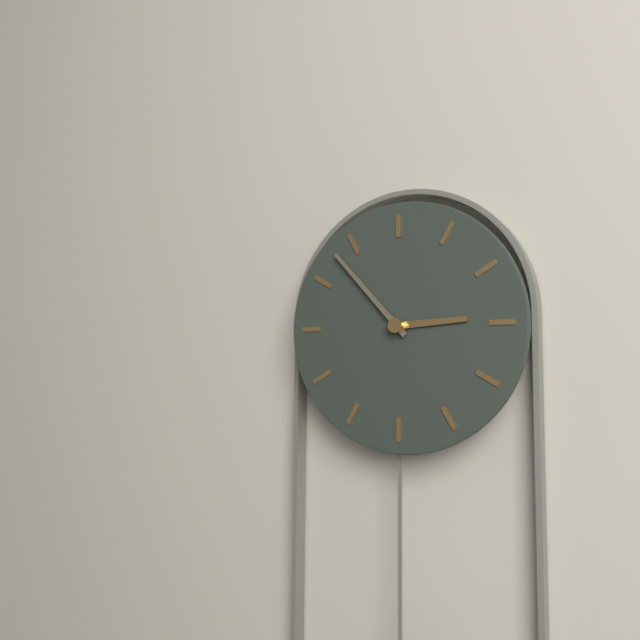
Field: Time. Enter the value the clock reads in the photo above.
2:53
